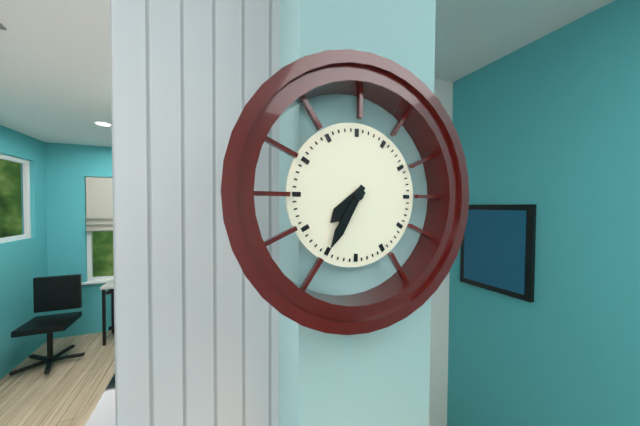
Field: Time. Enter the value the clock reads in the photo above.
7:35
